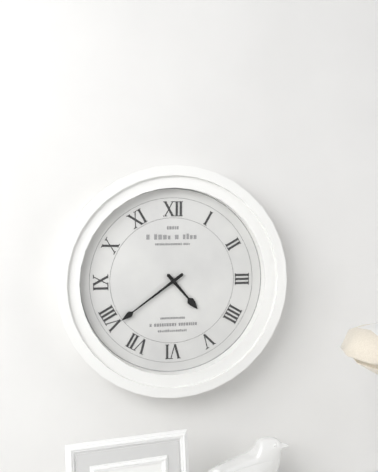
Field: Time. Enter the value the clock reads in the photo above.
4:39
